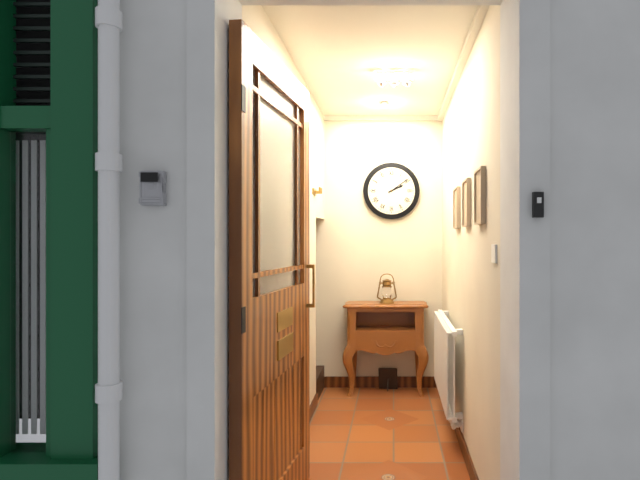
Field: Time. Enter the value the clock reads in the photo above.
2:09
